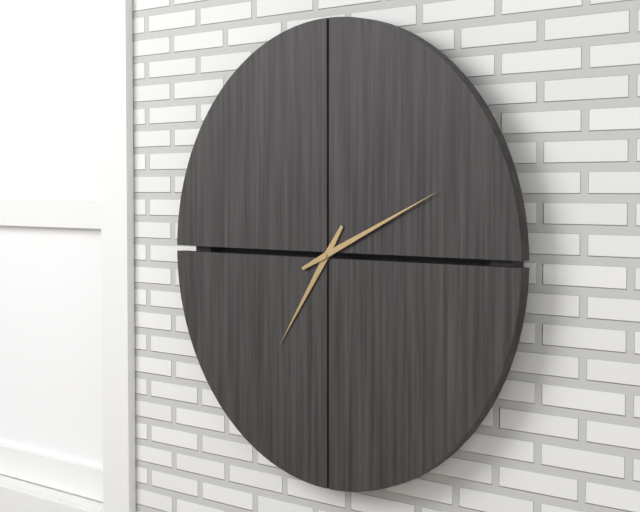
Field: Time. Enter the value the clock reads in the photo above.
7:11
